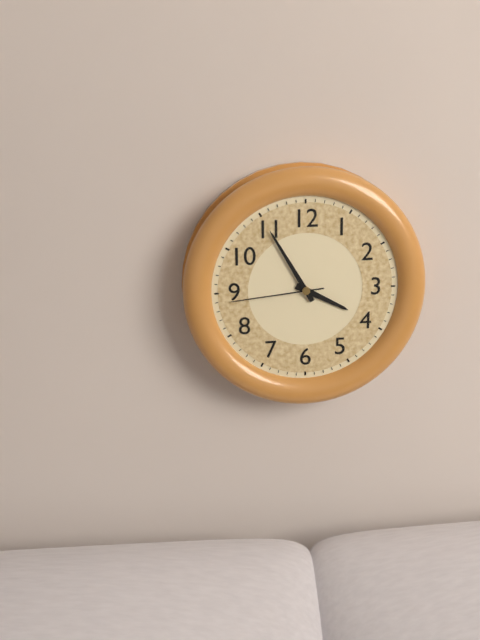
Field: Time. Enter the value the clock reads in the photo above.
3:55:44
